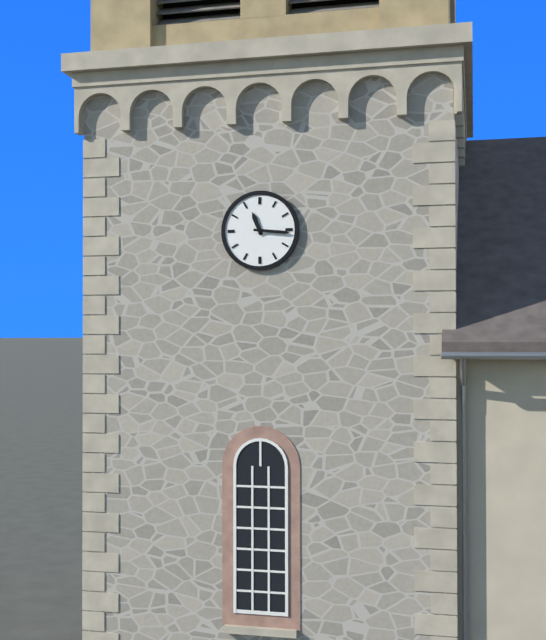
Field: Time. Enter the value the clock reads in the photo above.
11:16
